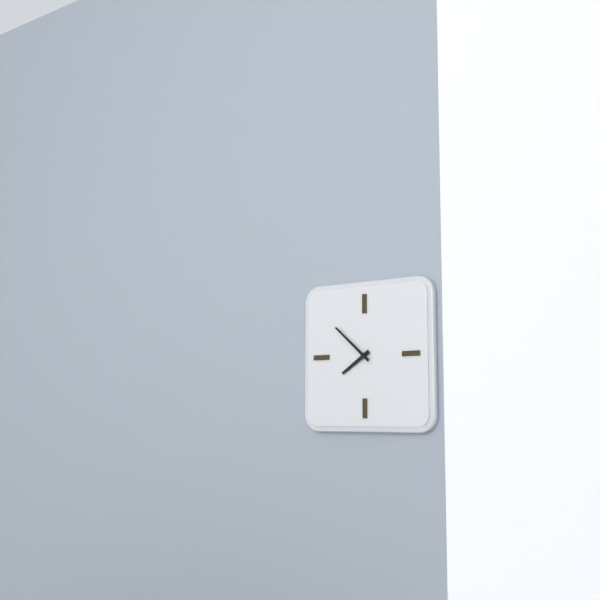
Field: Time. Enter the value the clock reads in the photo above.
7:52
